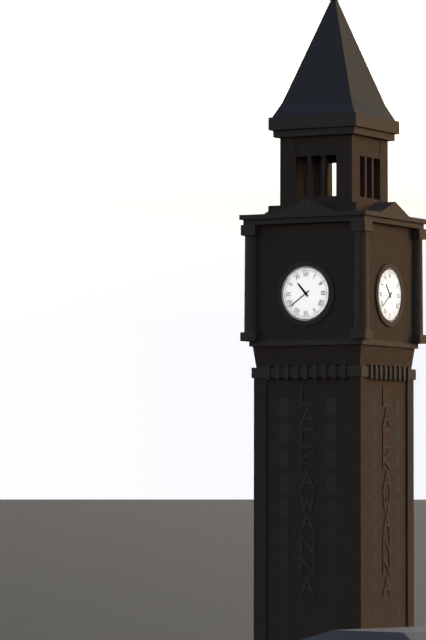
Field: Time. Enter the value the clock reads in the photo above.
10:39
